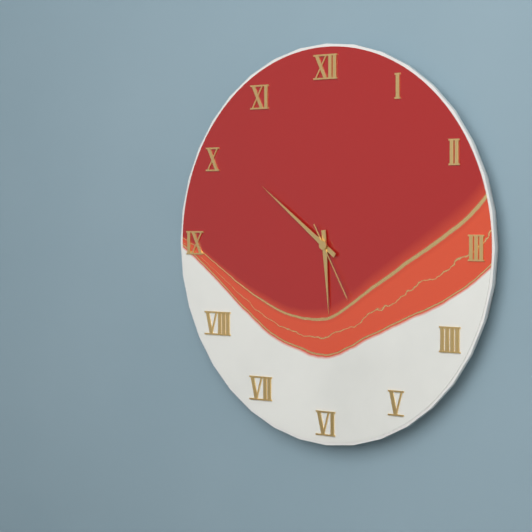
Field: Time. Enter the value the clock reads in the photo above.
5:51:25
